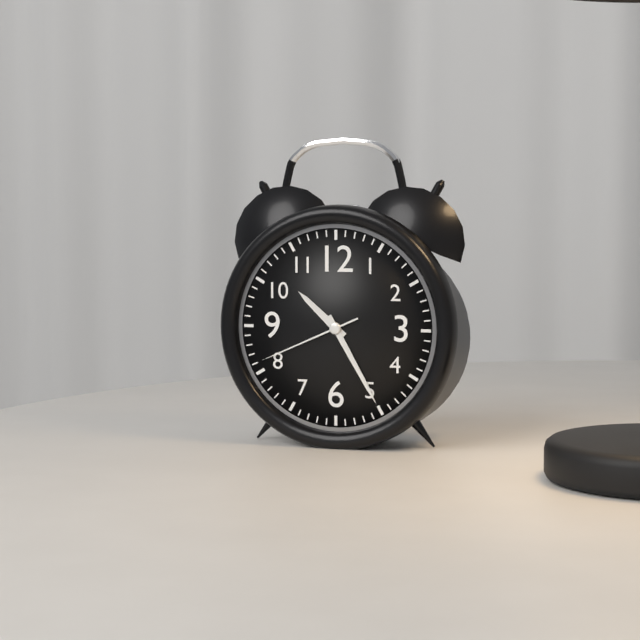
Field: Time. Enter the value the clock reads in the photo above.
10:25:41
